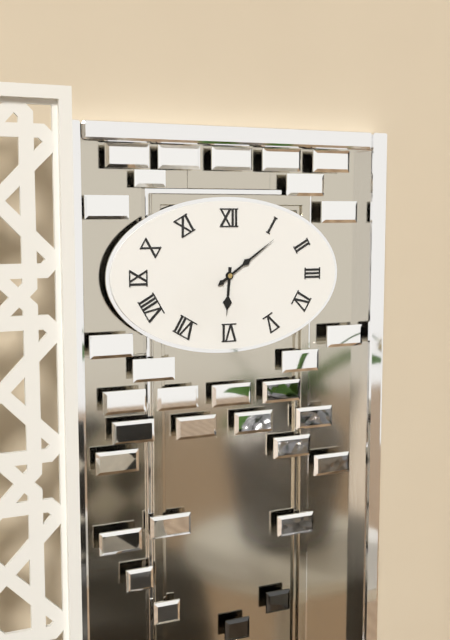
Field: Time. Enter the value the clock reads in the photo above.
6:09
